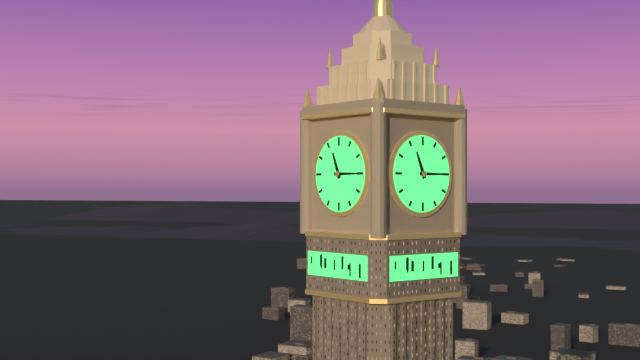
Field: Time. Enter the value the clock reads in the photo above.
11:15
